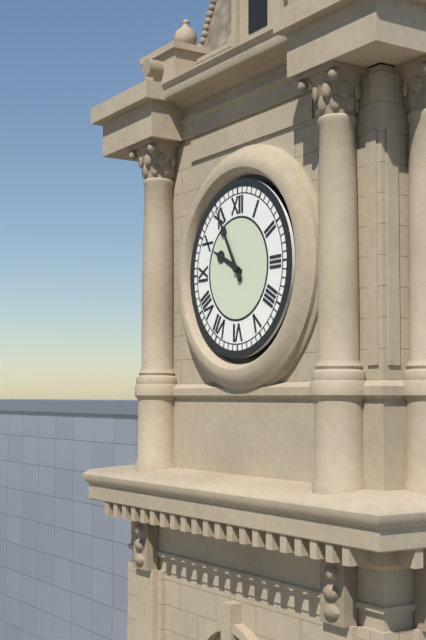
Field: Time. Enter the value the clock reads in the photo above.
9:55
